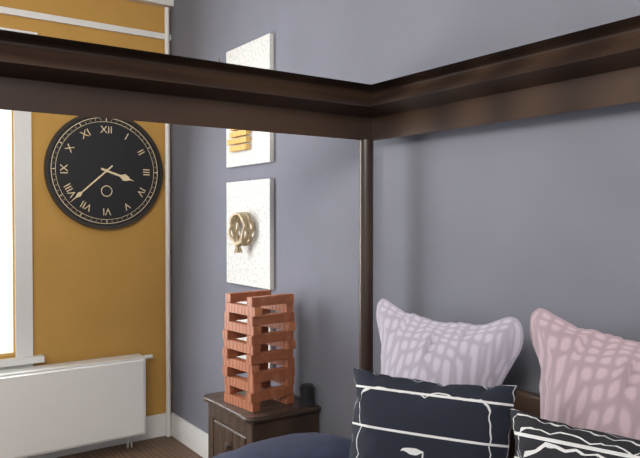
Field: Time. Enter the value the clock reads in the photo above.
3:38
